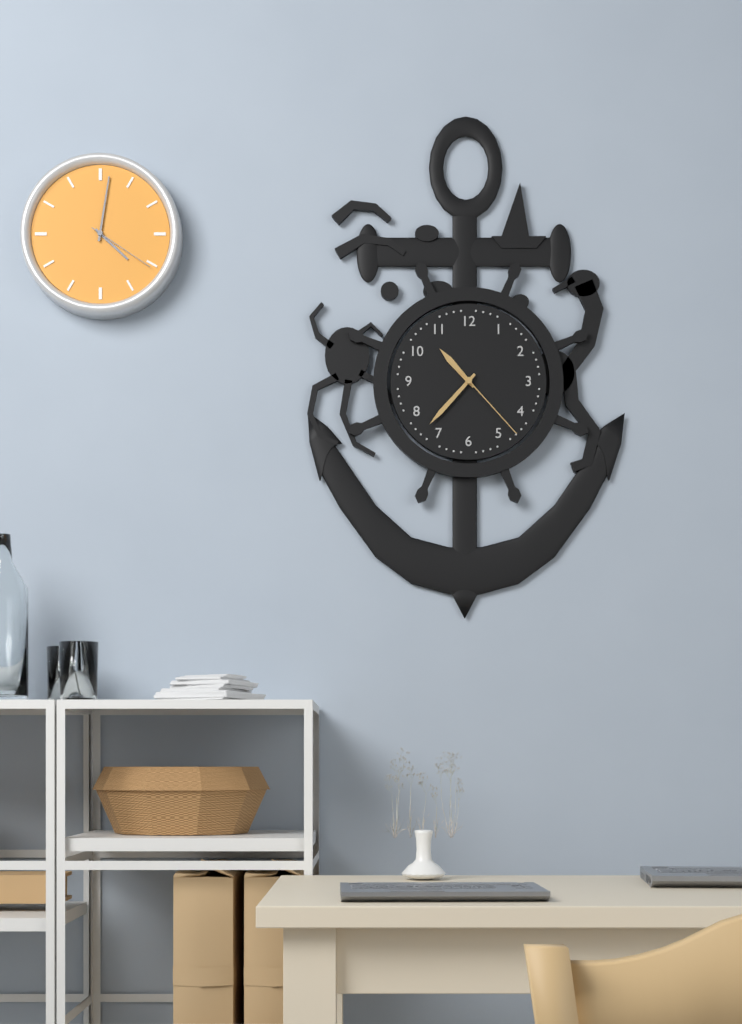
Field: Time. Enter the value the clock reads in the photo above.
10:37:23
